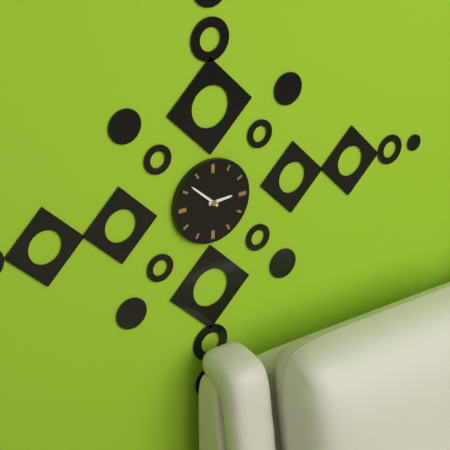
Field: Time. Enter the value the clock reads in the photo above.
2:52
